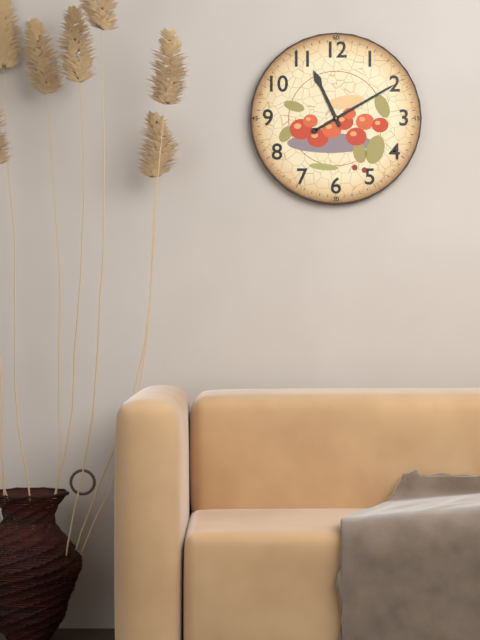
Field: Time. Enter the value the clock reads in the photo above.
11:10
